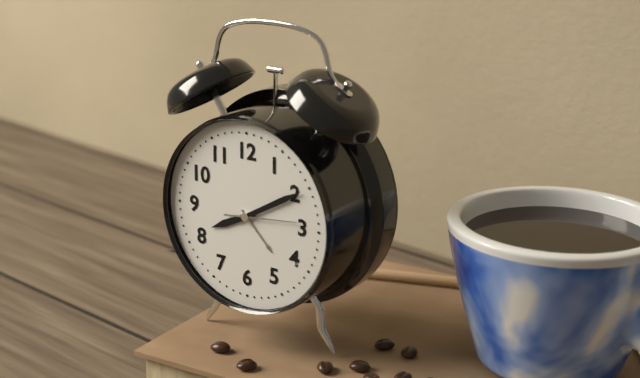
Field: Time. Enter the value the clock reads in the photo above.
8:10
